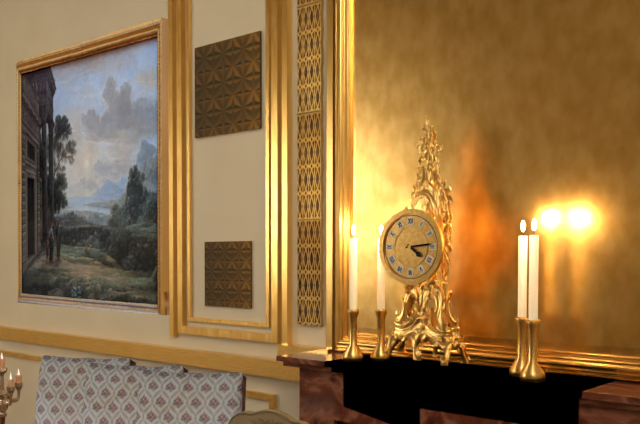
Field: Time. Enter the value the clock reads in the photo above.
4:14
